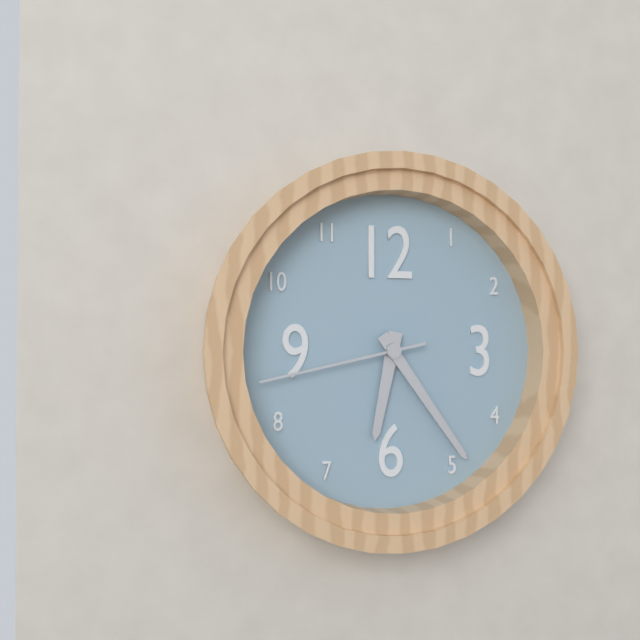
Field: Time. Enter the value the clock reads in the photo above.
6:24:43
